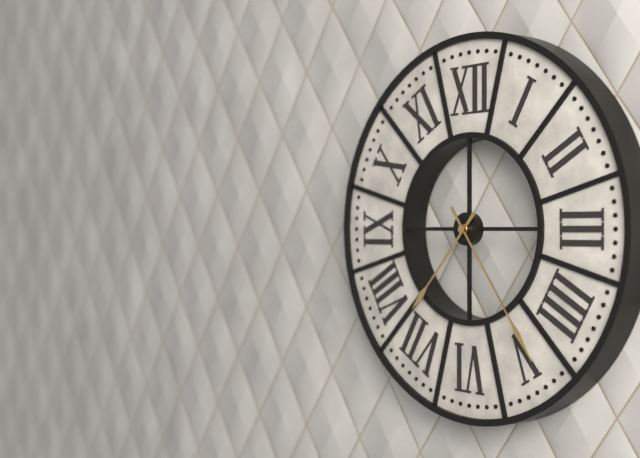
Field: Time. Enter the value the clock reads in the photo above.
7:24
